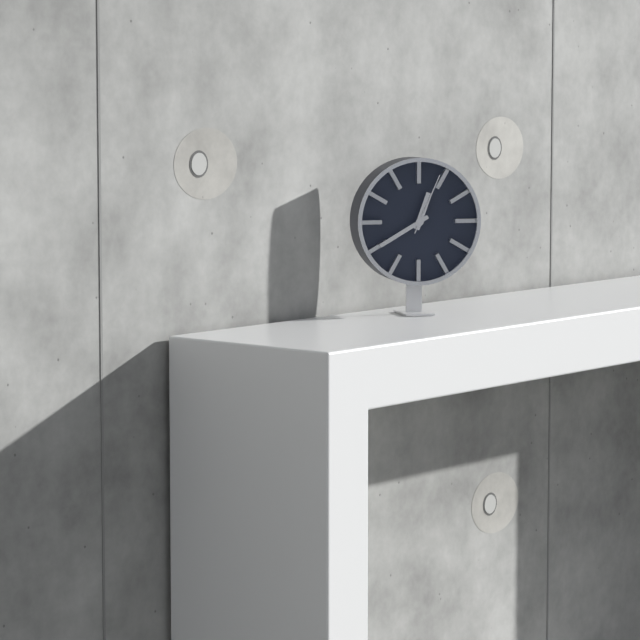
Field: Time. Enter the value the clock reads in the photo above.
12:40:04
